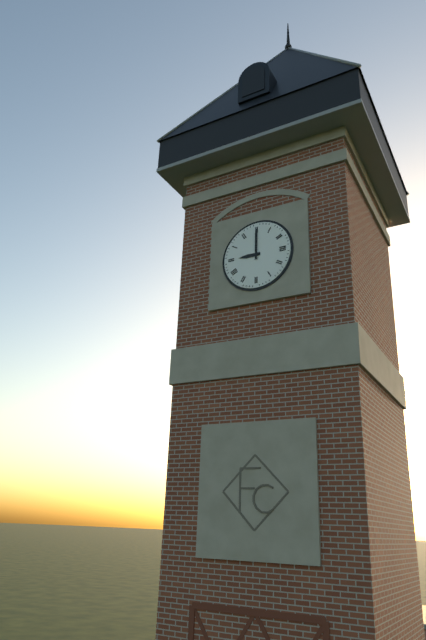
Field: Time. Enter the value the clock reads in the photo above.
9:00
